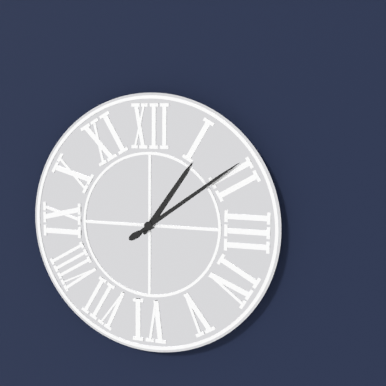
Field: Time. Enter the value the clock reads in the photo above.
1:09
